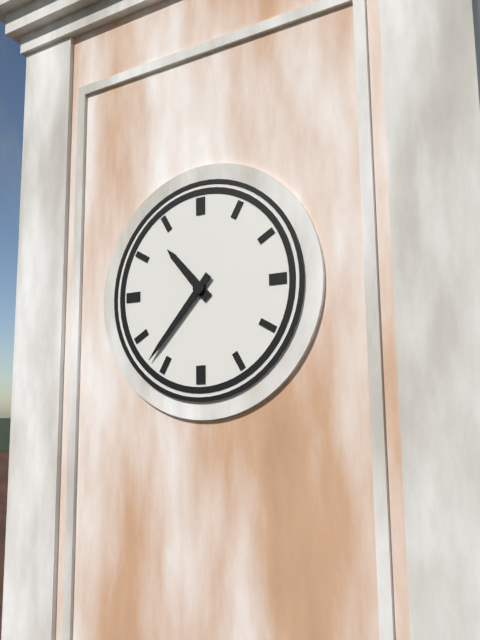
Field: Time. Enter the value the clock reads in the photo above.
10:37
